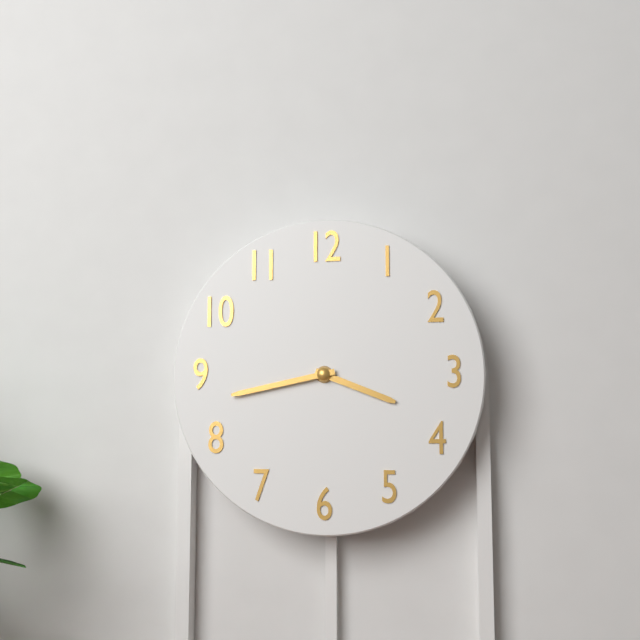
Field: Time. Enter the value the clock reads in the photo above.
3:43
